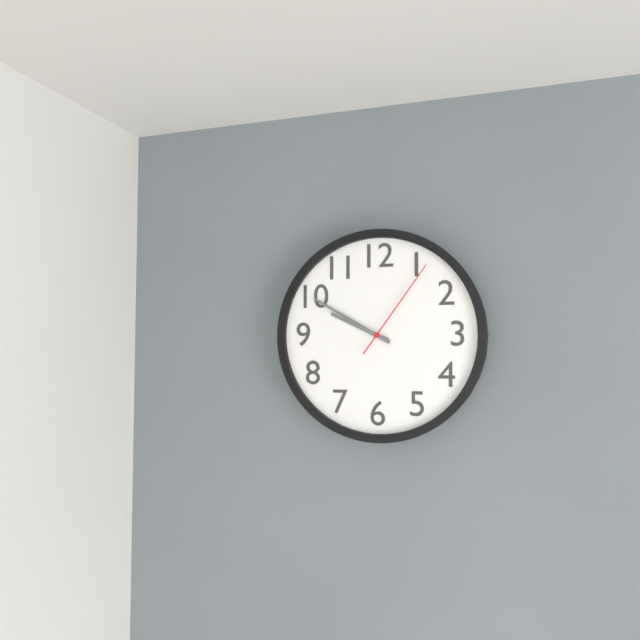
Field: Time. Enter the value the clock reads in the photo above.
9:50:06
